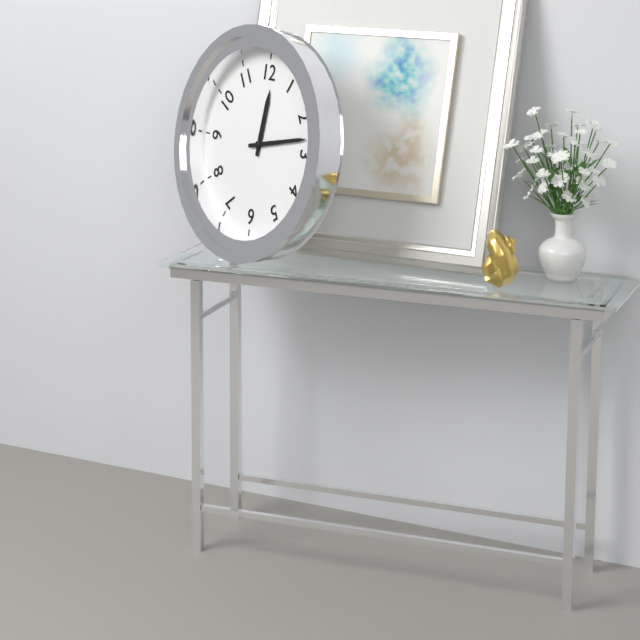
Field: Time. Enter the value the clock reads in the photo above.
12:13
